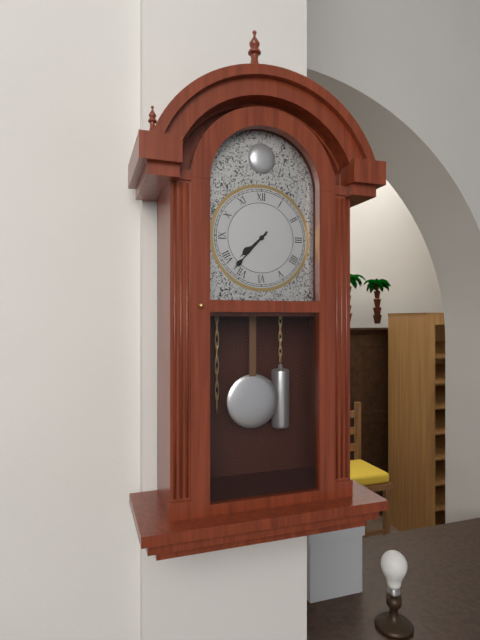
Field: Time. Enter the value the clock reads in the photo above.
7:37
